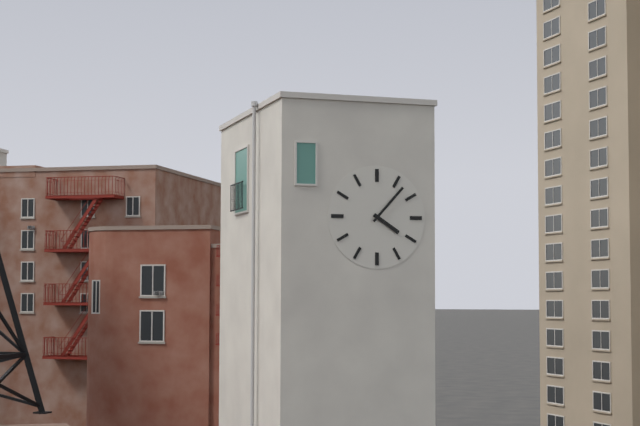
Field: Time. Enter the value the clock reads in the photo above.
4:07
